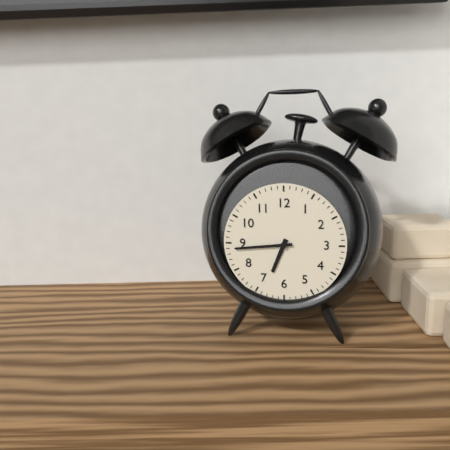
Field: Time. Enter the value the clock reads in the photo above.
6:44
